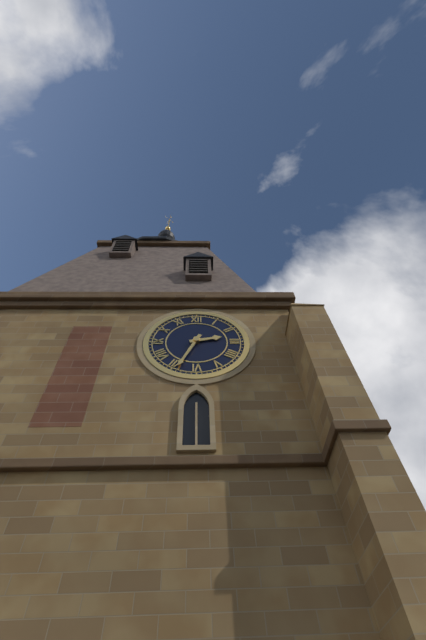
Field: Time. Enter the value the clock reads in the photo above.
2:34
